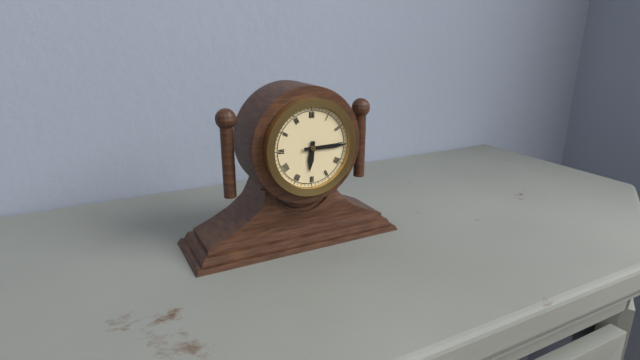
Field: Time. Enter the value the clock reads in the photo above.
6:15
